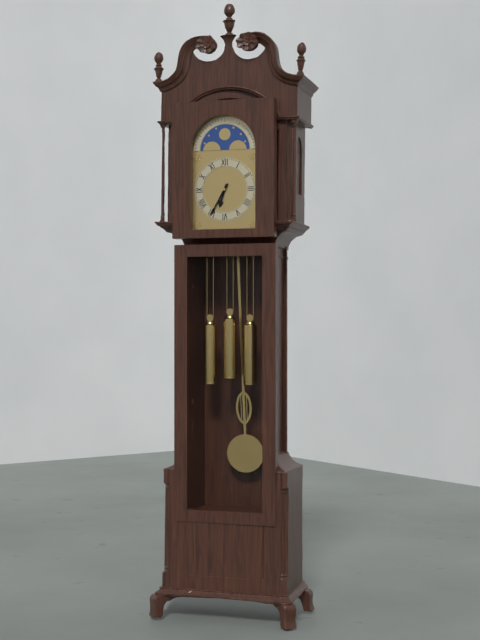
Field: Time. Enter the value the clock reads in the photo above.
6:35
